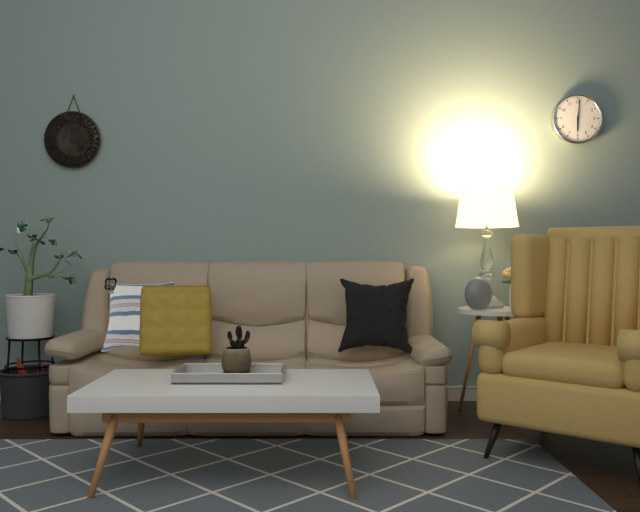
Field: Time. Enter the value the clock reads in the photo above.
6:01
